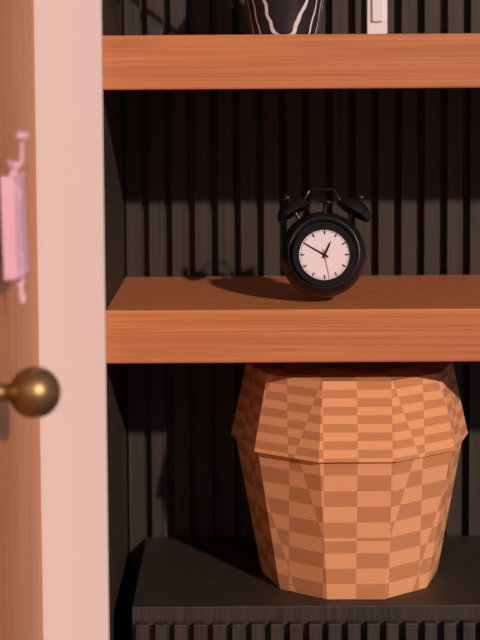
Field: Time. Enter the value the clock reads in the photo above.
12:50
